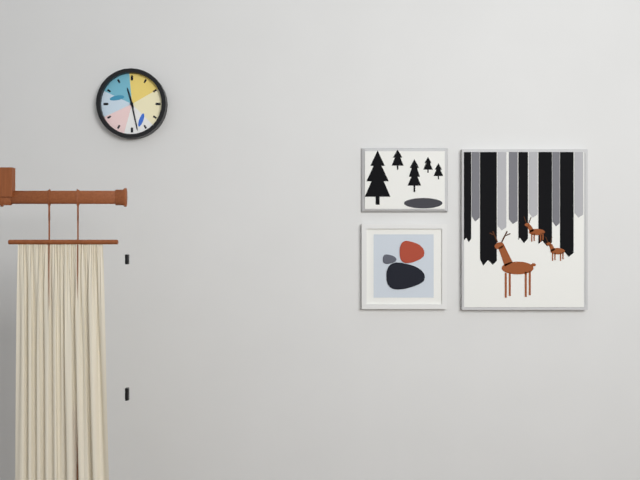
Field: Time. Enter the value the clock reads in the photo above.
11:28
